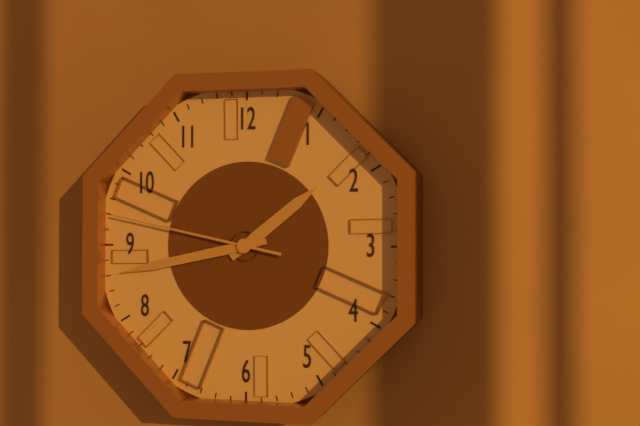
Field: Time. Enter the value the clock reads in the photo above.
1:43:47
